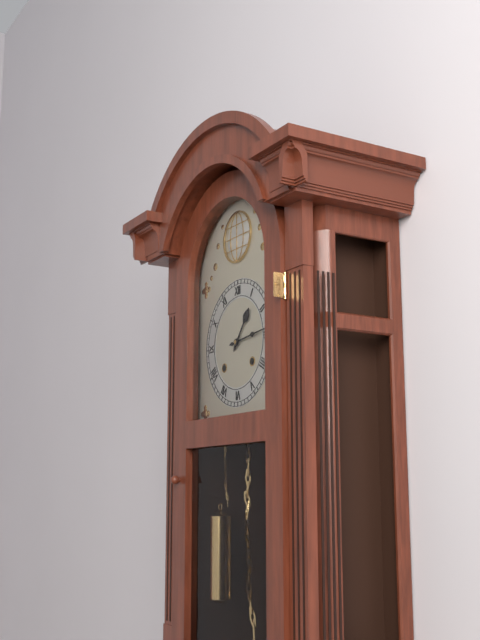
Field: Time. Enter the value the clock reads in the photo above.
1:14
